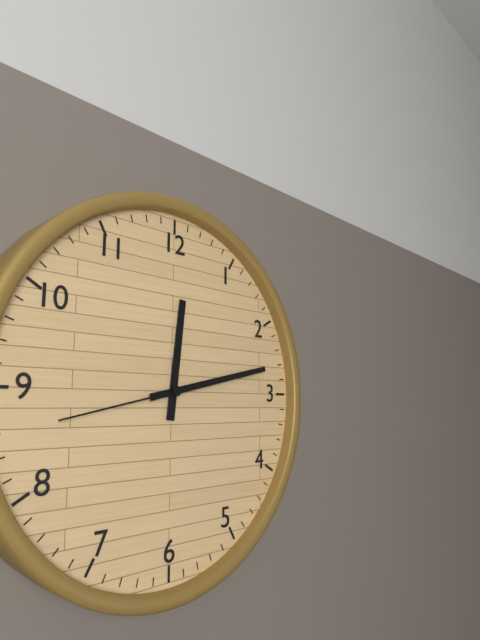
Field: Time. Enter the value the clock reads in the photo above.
12:13:43
